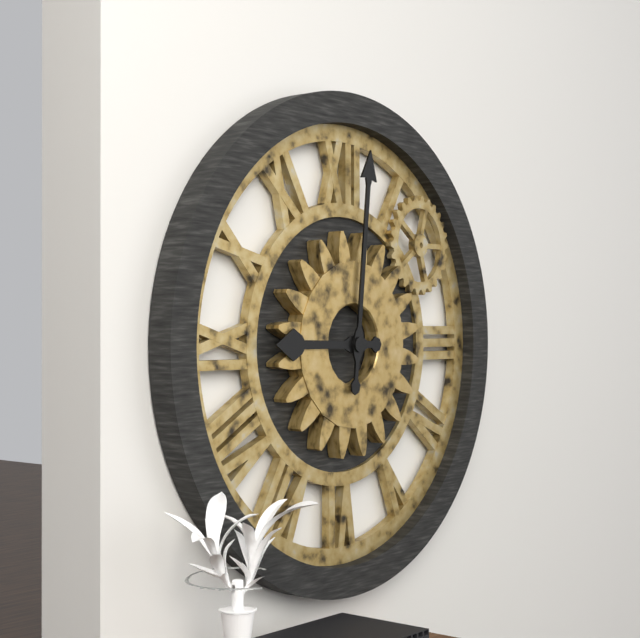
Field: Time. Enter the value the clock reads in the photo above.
9:01
